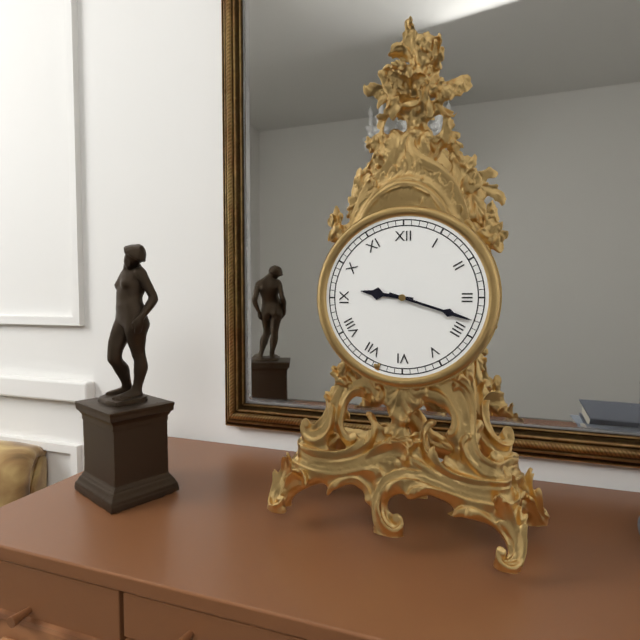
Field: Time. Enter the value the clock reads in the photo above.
9:18
